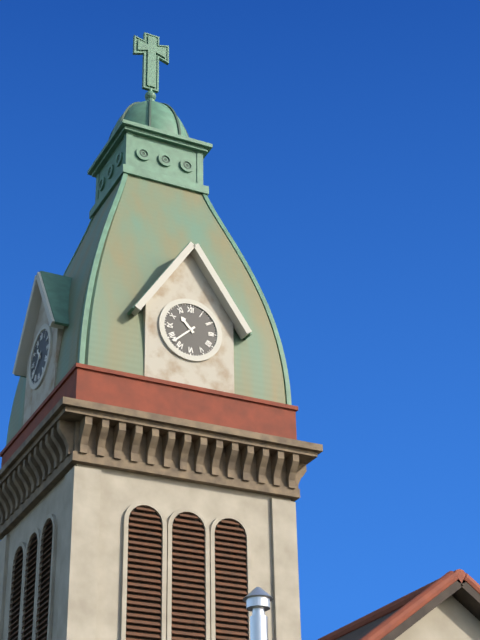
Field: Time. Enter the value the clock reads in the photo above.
10:38
